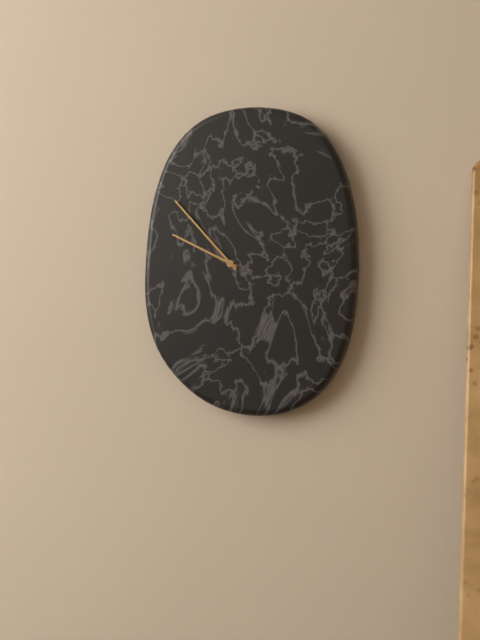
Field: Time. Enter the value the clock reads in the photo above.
9:53
